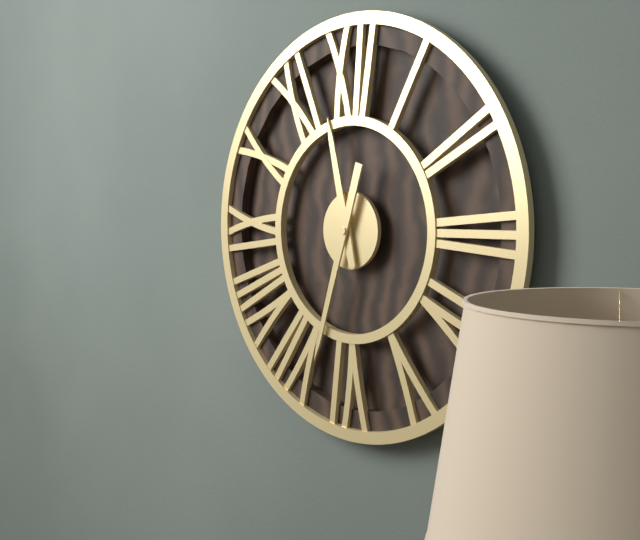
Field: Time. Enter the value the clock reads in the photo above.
11:33
